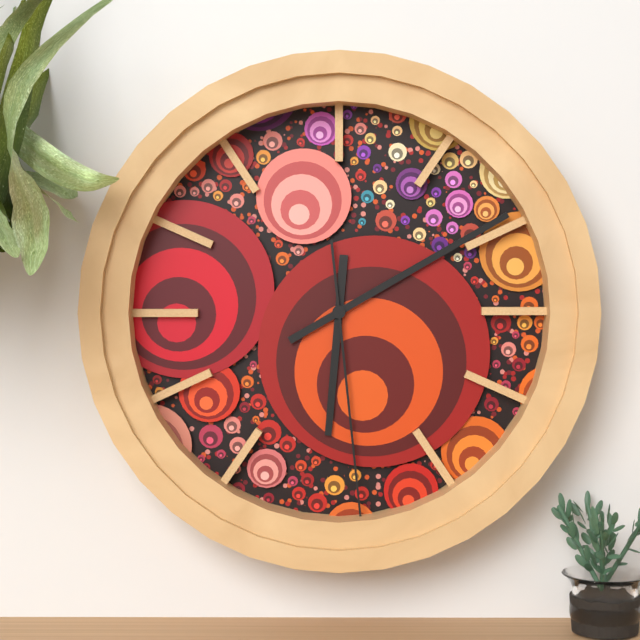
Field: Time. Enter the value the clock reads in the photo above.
6:10:29
